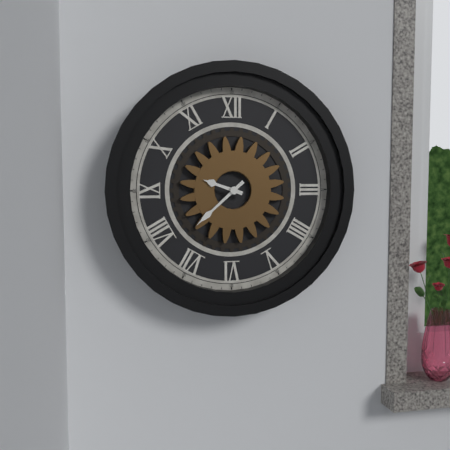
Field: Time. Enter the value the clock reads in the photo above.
9:38
